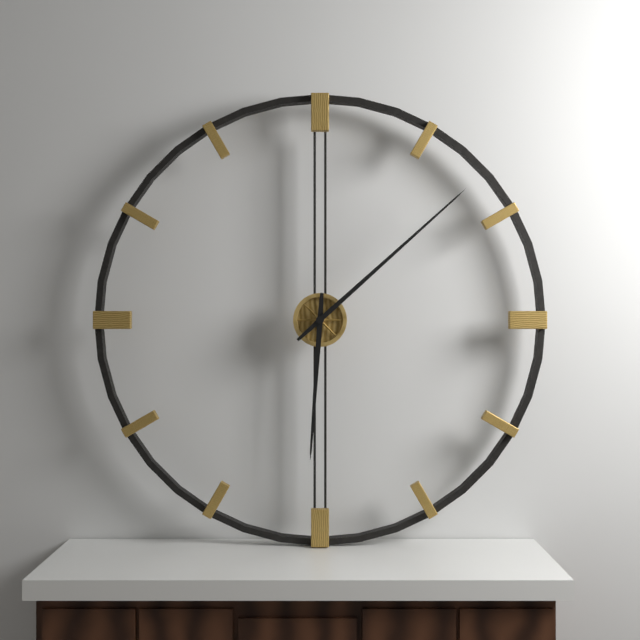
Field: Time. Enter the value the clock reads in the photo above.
6:08
